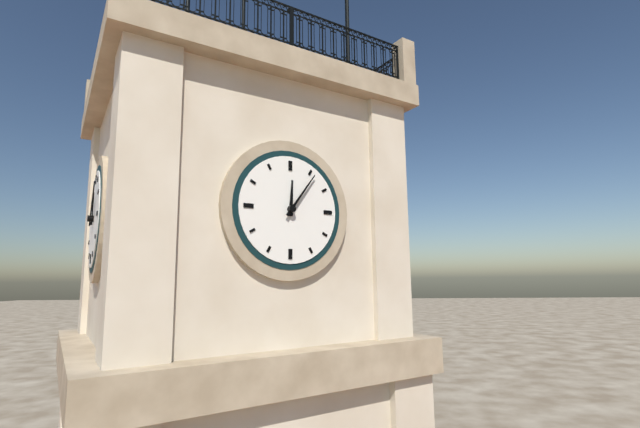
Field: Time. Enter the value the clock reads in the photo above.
12:06
